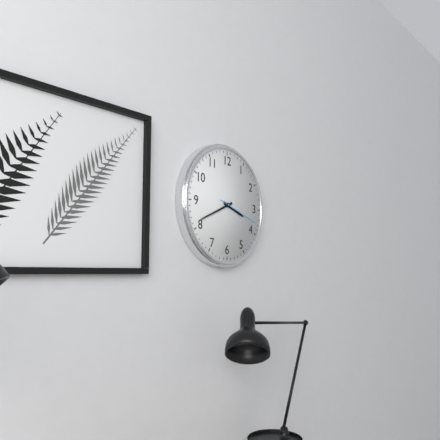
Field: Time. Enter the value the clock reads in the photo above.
3:41
